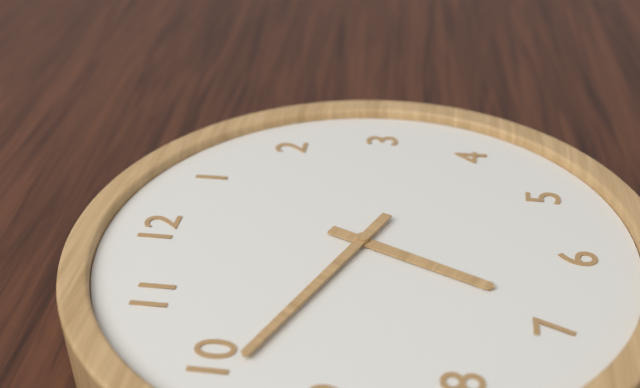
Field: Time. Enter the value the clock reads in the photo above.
6:49
